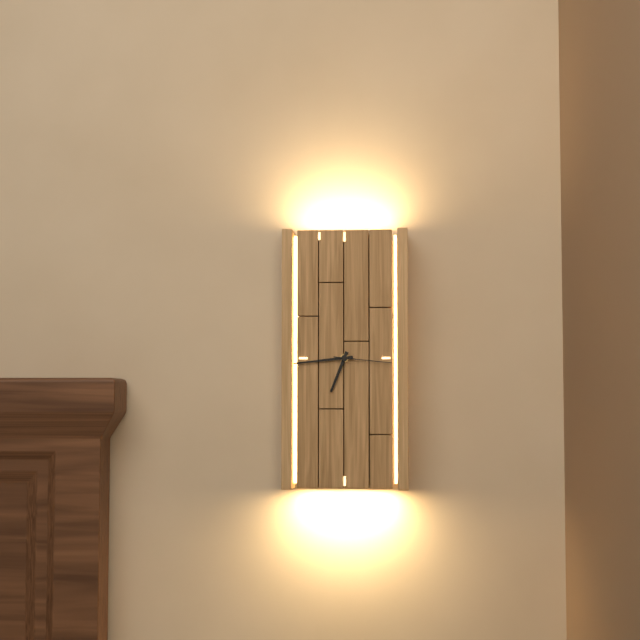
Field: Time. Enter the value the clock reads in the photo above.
6:44:16
